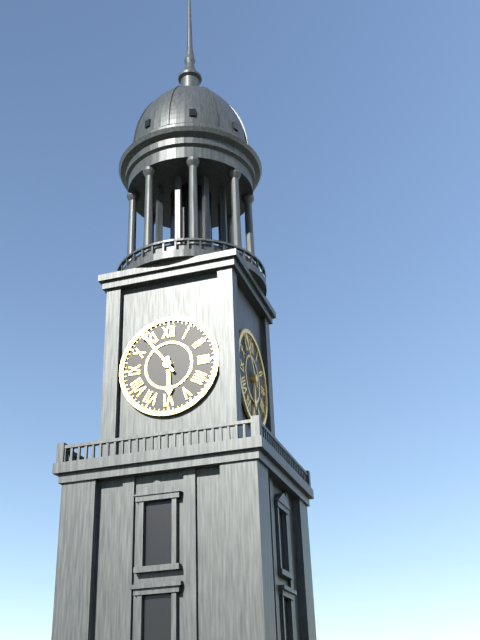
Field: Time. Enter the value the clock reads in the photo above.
5:54
